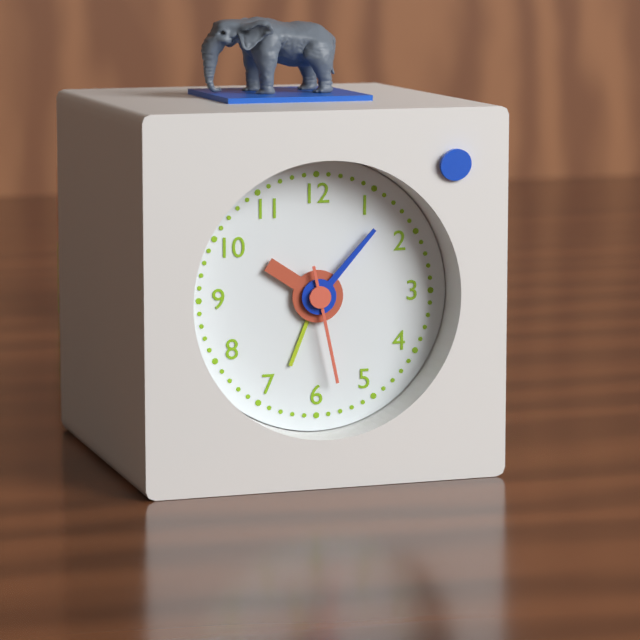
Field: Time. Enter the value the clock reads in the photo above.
10:07:28
